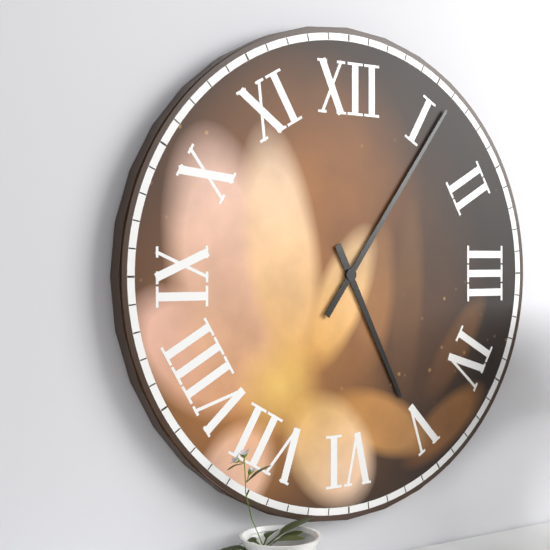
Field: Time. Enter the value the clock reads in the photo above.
5:06
